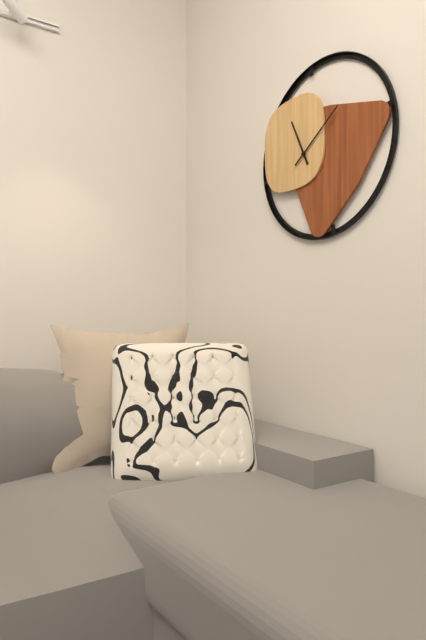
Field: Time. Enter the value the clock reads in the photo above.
11:09
